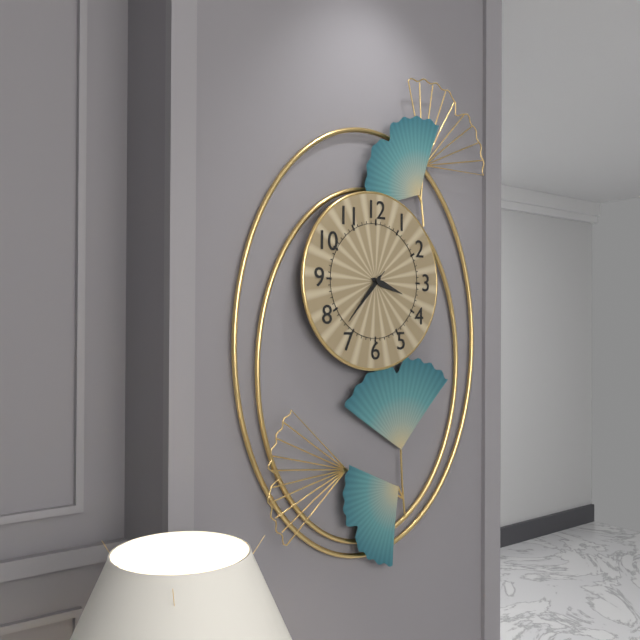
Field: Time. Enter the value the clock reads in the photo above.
3:37:37
